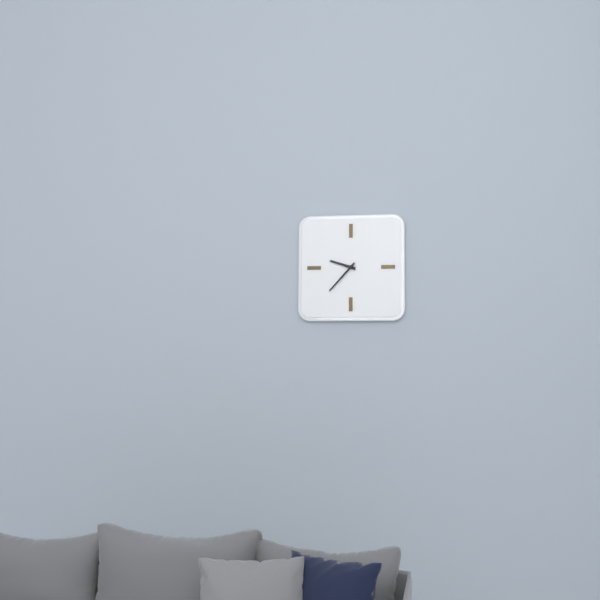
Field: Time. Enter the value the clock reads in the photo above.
9:37
